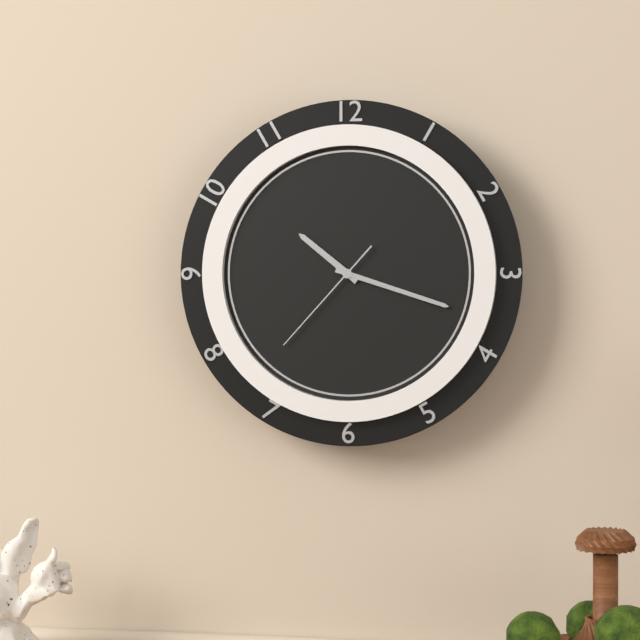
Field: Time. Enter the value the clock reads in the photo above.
10:18:37
